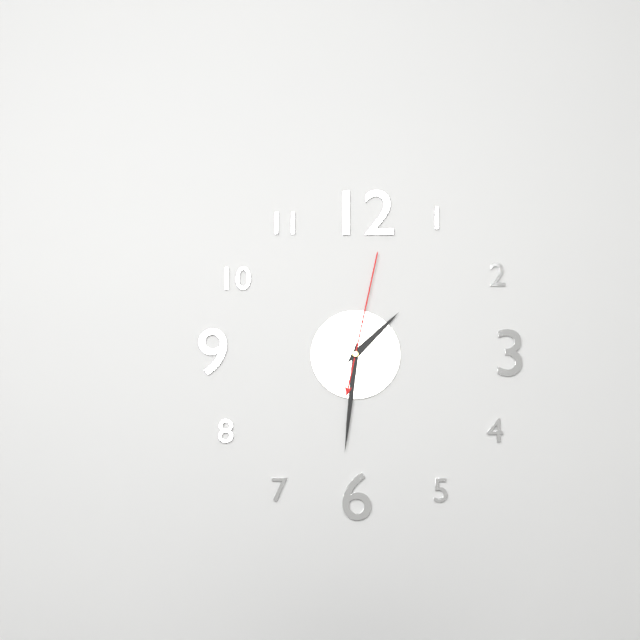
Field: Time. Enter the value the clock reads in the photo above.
1:31:02
